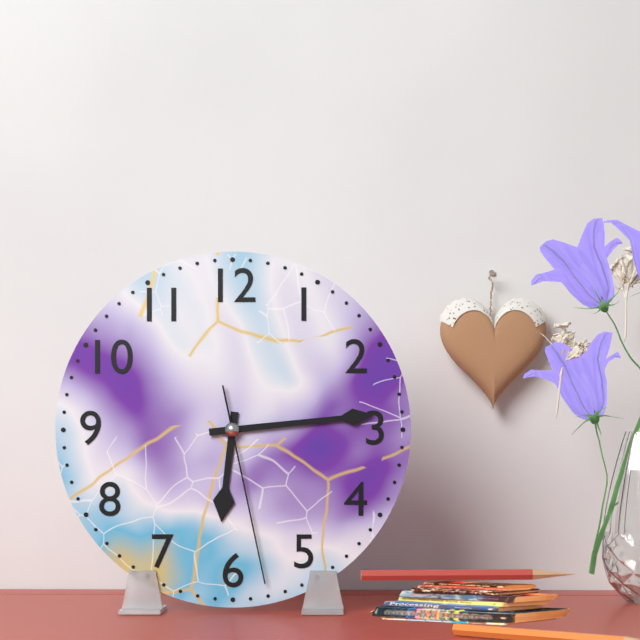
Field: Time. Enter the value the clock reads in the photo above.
6:14:28
